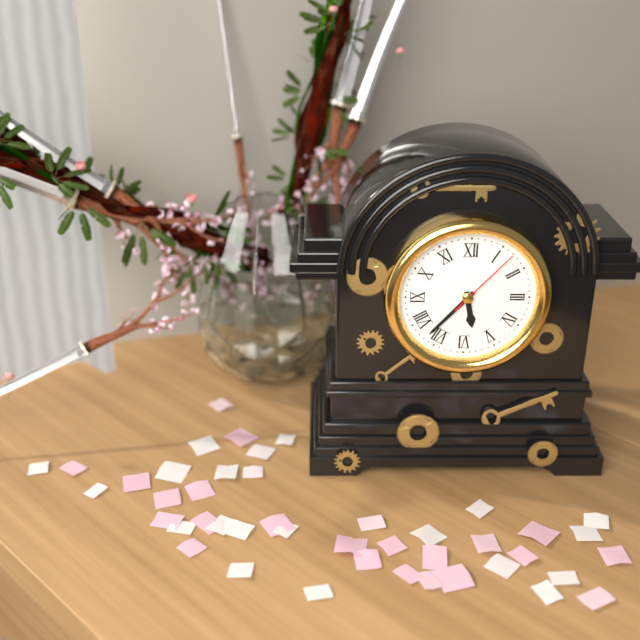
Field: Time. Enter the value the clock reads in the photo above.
5:37:07
